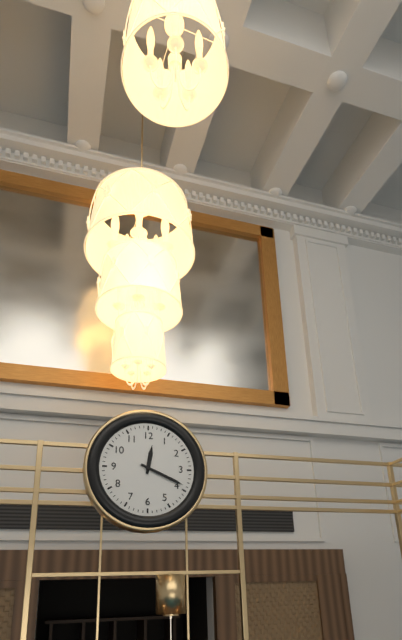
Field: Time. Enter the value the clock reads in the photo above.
12:19
